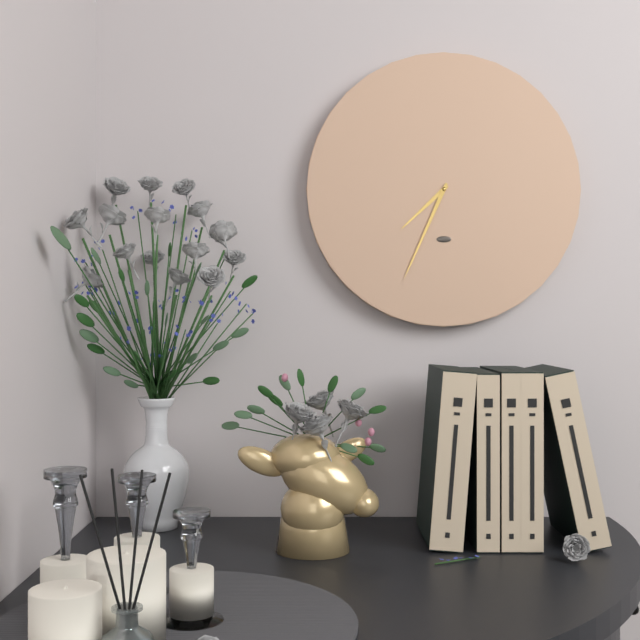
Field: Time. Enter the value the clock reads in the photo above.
7:34
